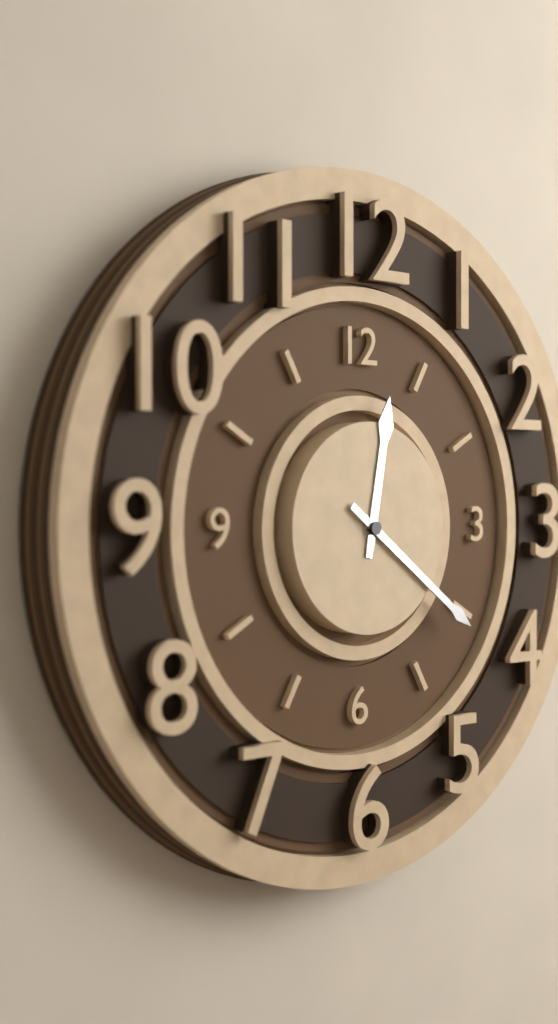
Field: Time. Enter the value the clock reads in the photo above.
12:21
